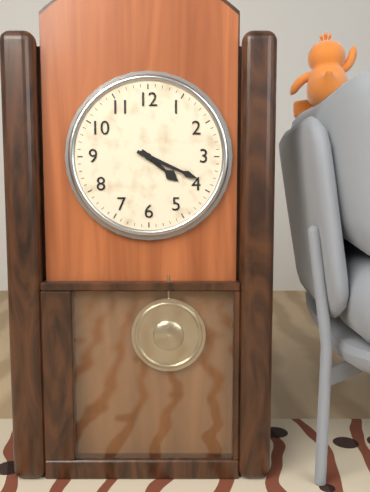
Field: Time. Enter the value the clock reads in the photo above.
4:19
